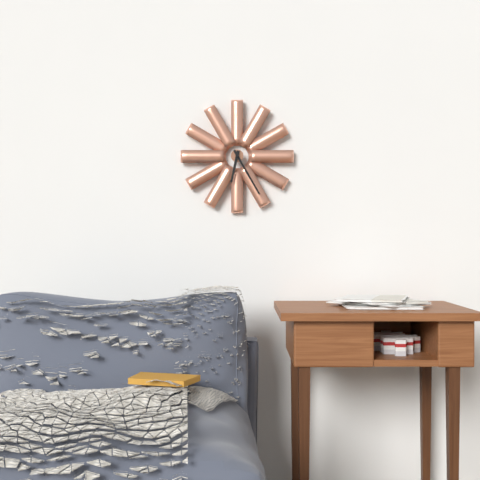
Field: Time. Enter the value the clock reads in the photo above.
6:25
